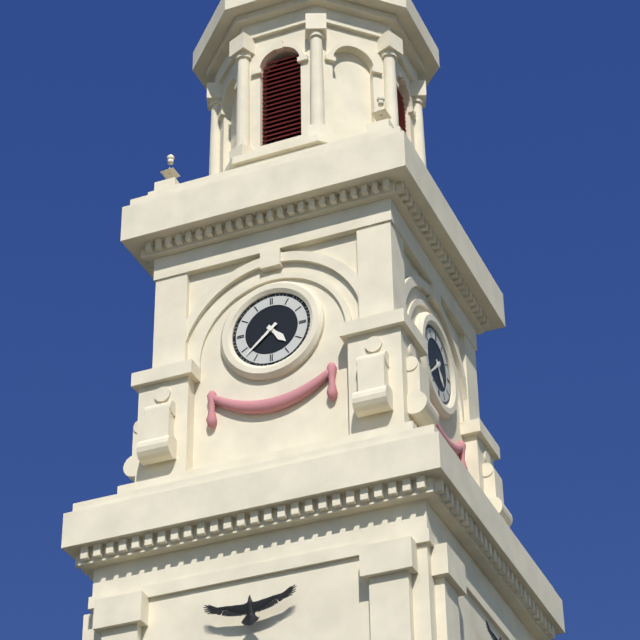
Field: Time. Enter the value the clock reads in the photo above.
4:38
